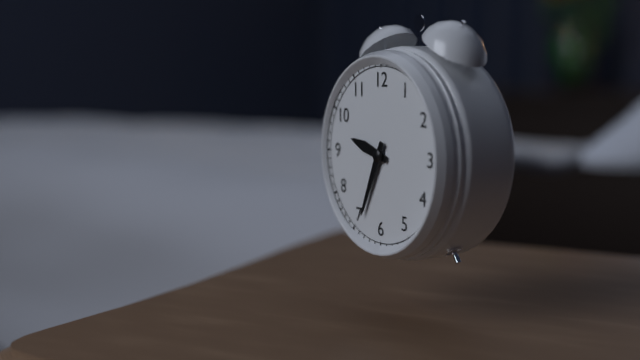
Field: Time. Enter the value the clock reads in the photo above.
9:34
